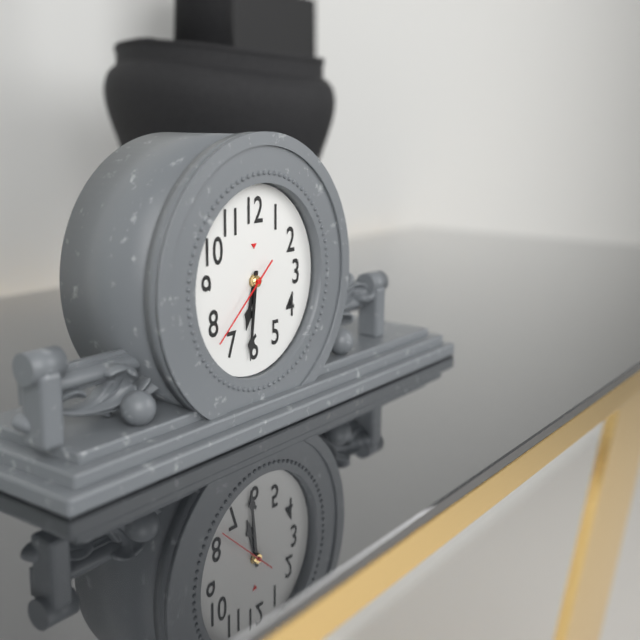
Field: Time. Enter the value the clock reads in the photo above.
6:31:38
